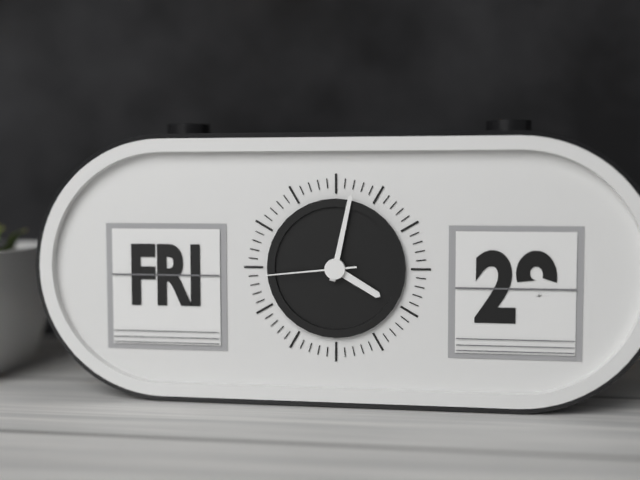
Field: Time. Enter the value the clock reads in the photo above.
4:02:44
